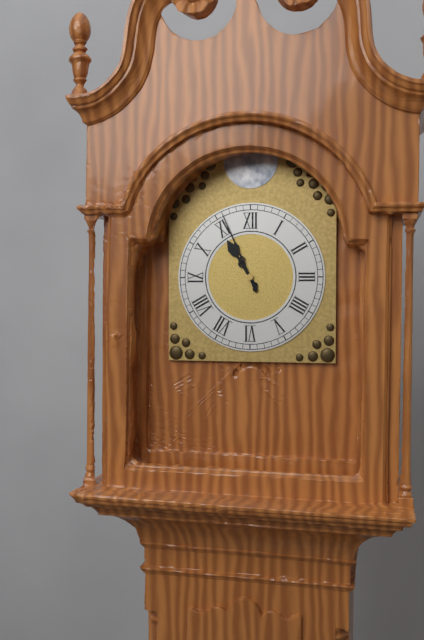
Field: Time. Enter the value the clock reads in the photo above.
10:56
